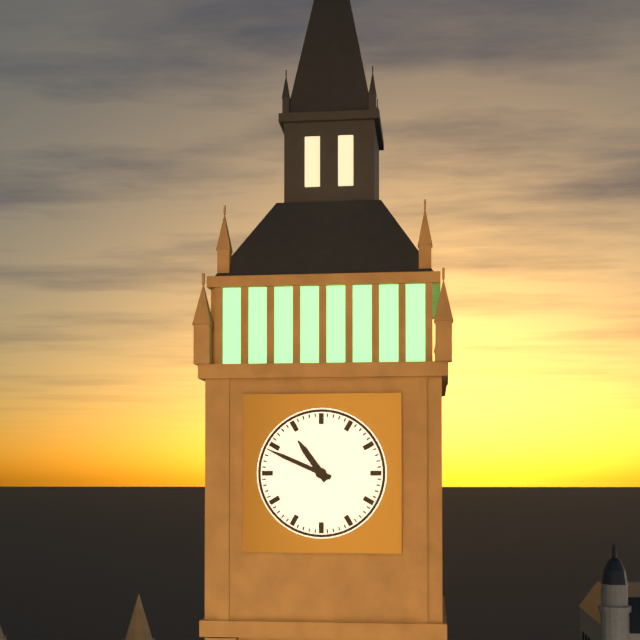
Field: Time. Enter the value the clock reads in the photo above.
10:49
